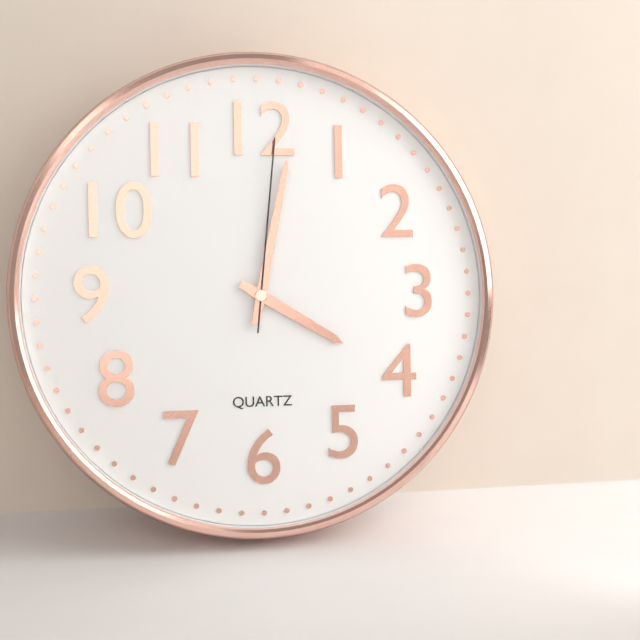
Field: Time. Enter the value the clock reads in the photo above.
4:02:01
